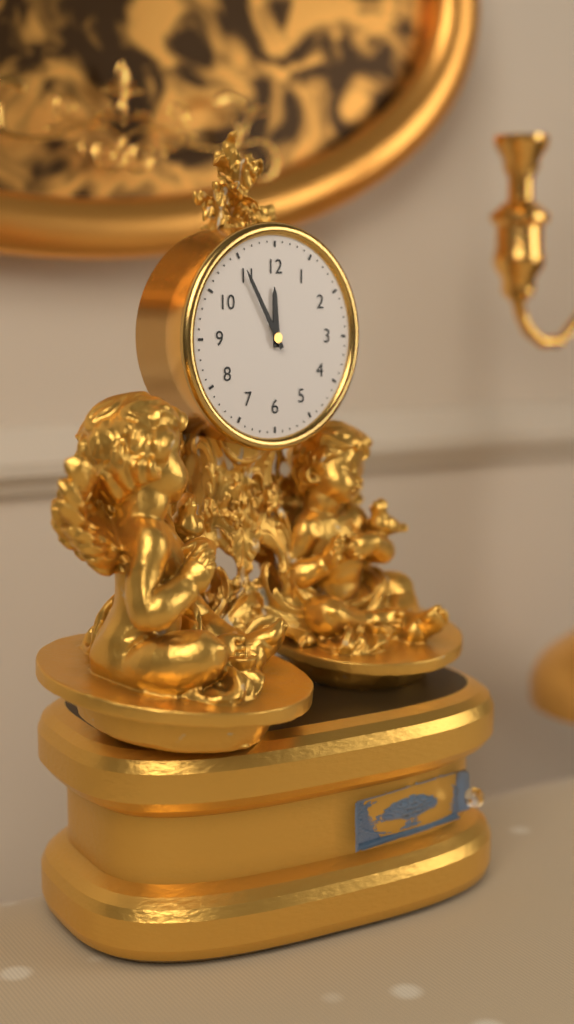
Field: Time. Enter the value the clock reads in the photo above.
11:55
